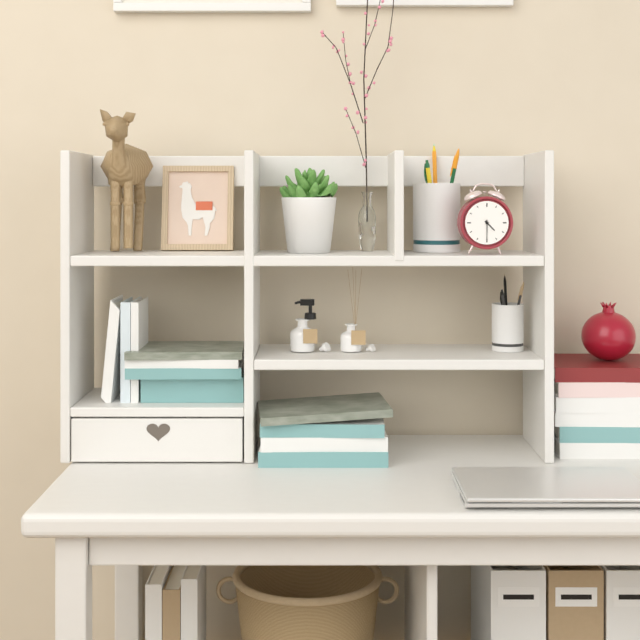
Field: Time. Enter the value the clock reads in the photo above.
4:30
